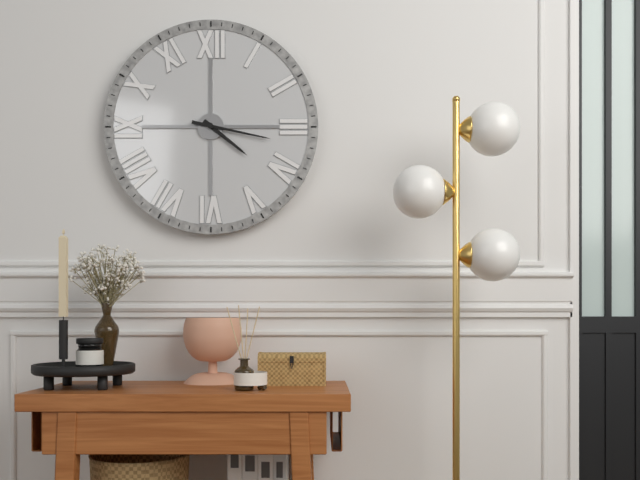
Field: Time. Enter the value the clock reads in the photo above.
4:17
